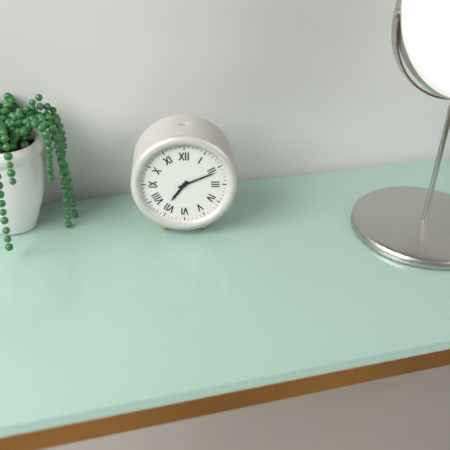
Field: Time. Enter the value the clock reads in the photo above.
7:11
